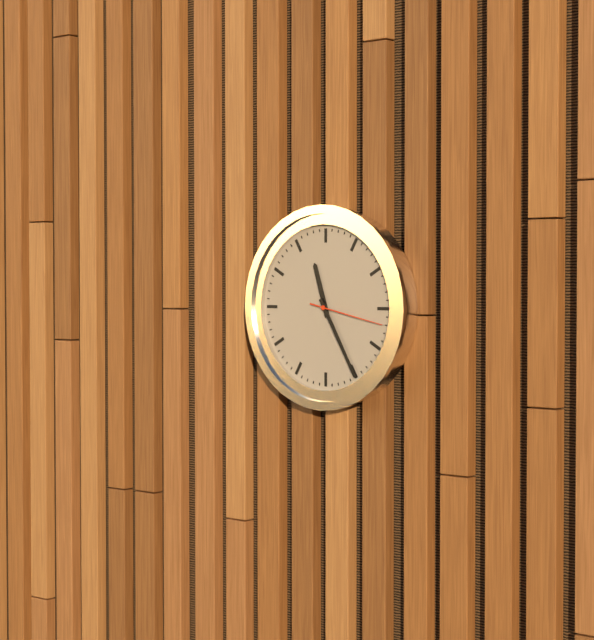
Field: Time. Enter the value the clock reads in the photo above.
11:25:17
